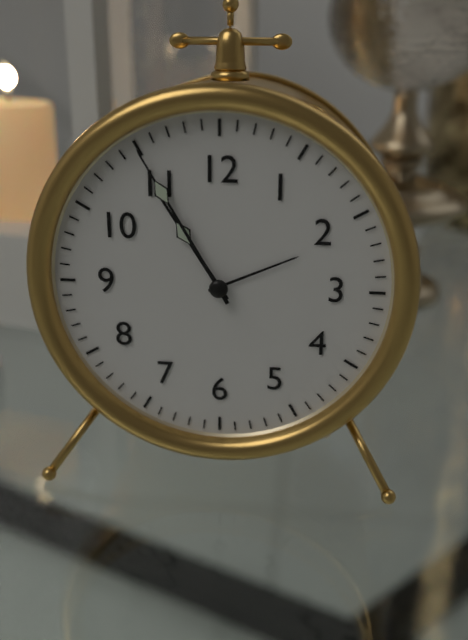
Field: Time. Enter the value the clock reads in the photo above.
10:55
